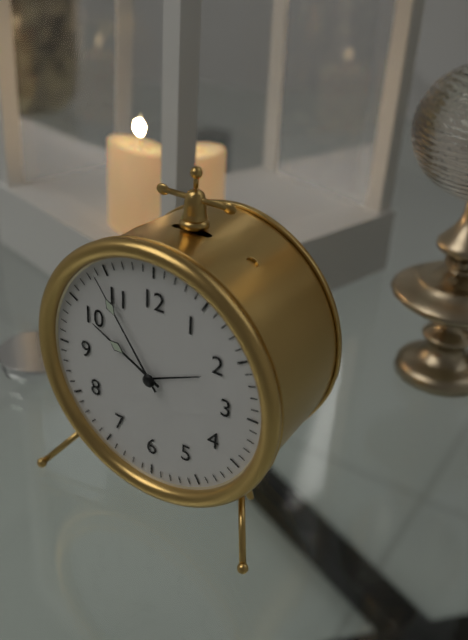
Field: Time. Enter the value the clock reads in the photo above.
9:54
